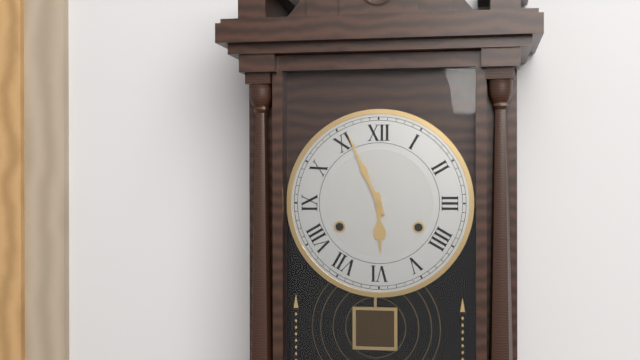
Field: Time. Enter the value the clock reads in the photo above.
5:56
